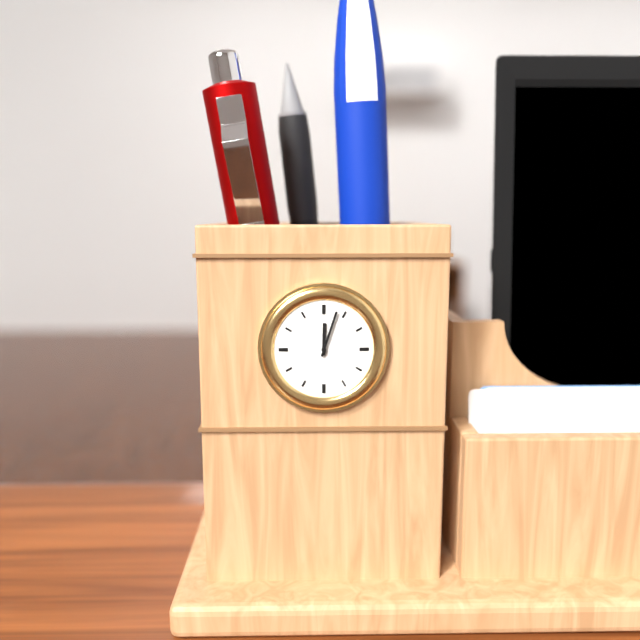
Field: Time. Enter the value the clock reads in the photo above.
12:03
